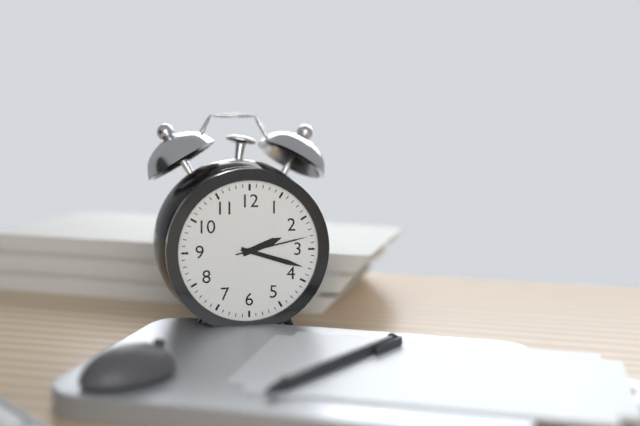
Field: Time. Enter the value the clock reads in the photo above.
2:18:13
